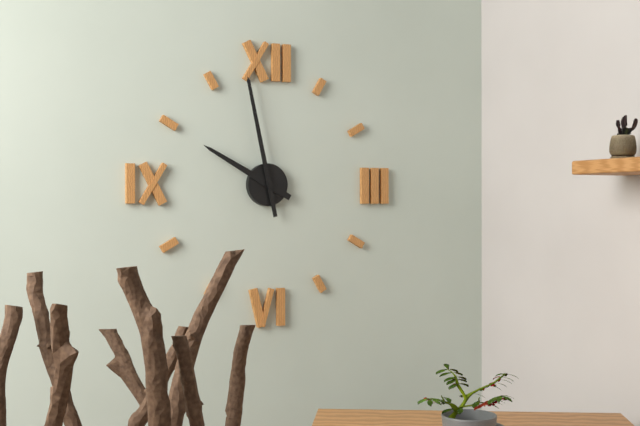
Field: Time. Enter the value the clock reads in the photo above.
9:58
